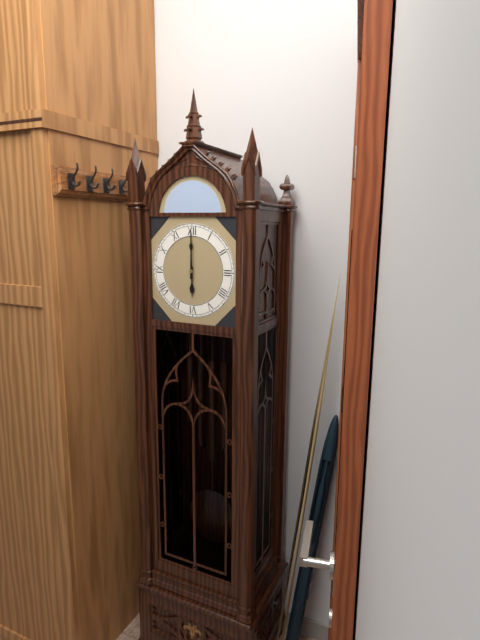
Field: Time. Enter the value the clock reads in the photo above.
6:00
